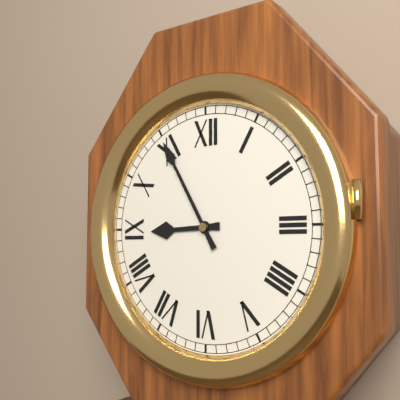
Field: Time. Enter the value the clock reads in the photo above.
8:55
